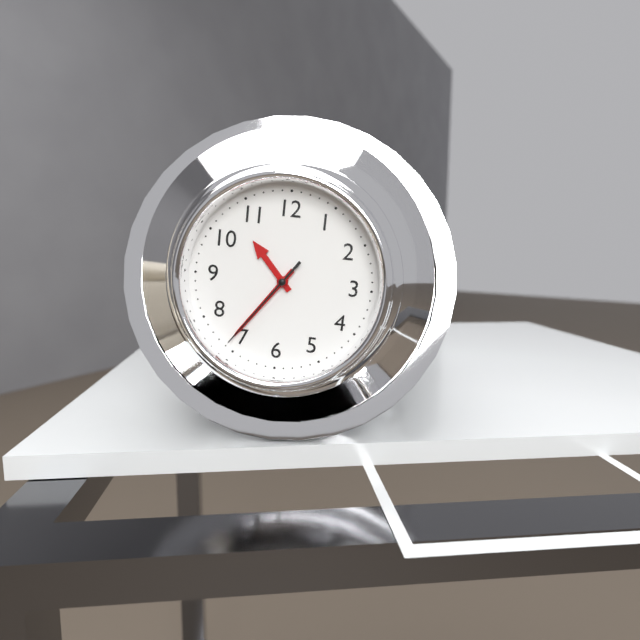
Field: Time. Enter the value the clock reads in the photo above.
10:36:36
